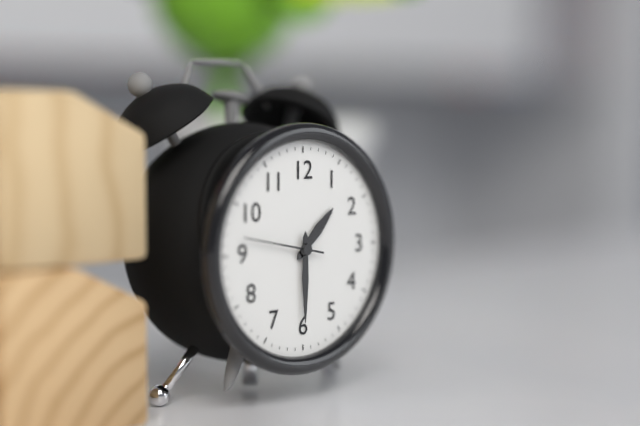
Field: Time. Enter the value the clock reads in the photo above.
1:30:47
